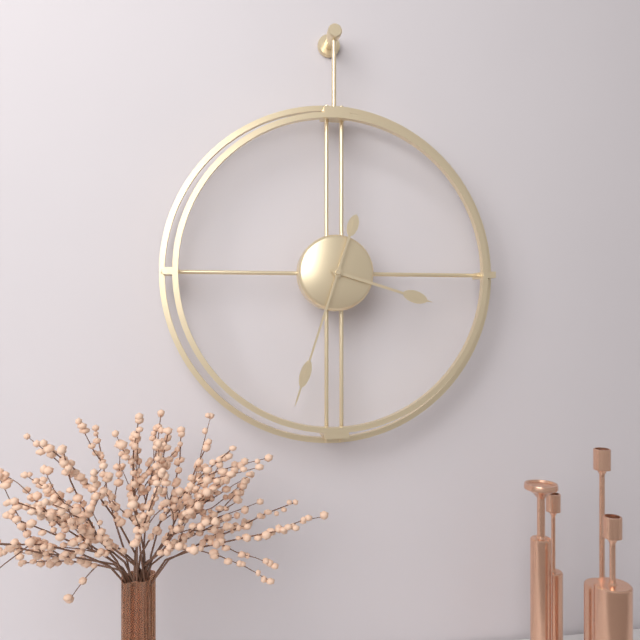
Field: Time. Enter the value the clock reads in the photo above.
3:33
